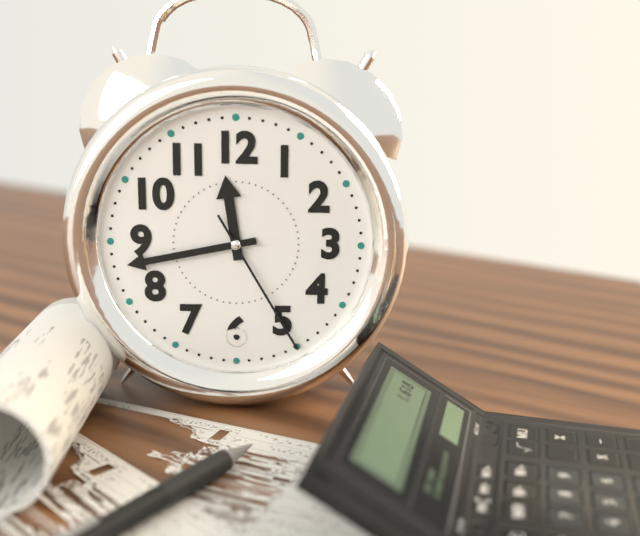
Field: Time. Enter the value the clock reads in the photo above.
11:43:25
